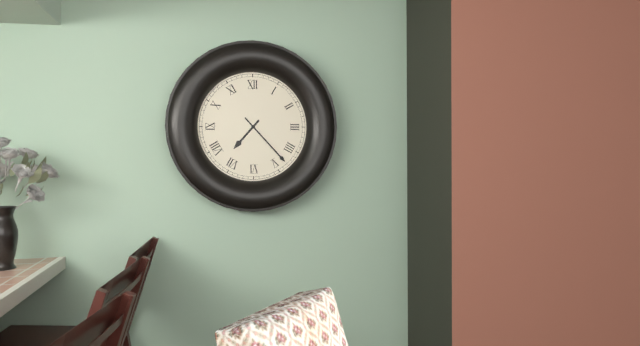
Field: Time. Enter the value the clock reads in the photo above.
7:23
